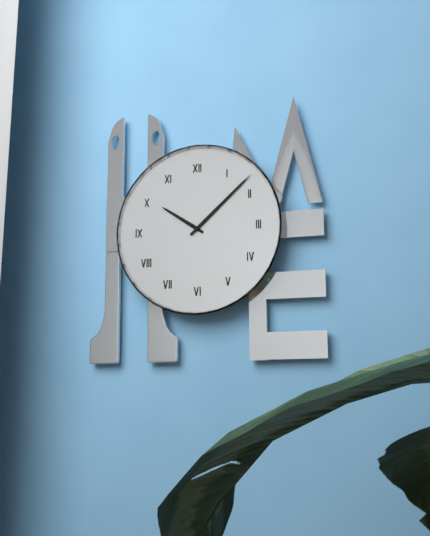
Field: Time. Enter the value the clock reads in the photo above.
10:08
